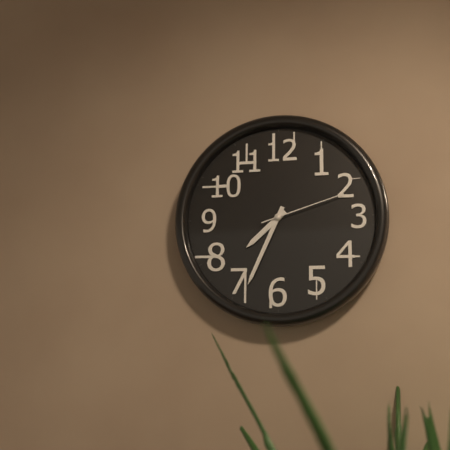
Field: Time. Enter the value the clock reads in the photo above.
7:34:12
